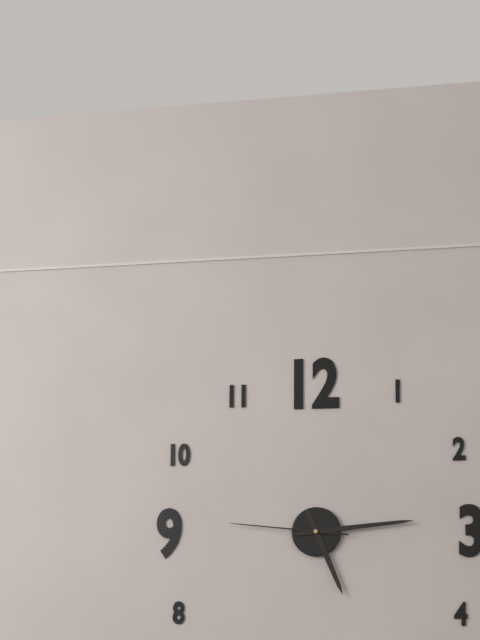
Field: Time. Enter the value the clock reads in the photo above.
5:14:46
